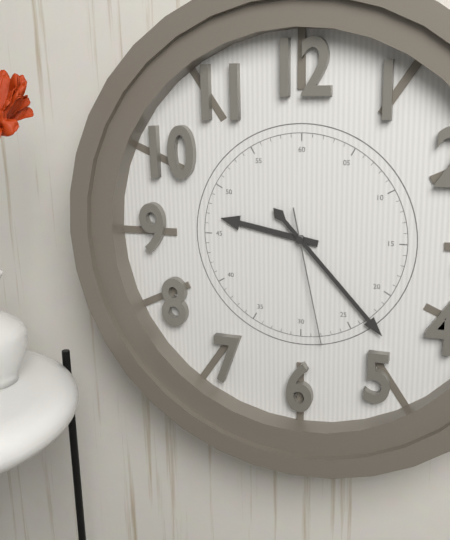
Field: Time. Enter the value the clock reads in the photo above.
9:23:28
